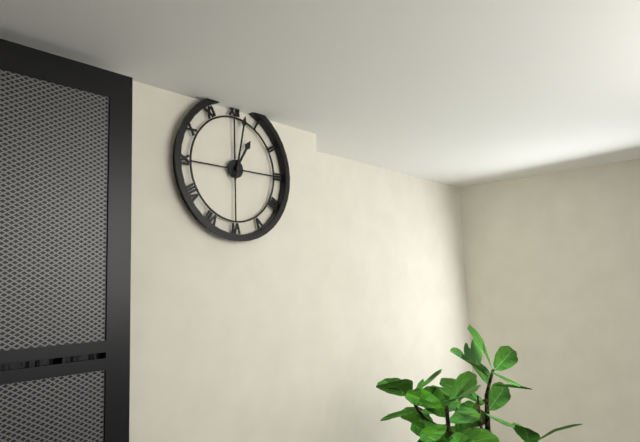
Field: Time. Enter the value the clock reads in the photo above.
1:02
